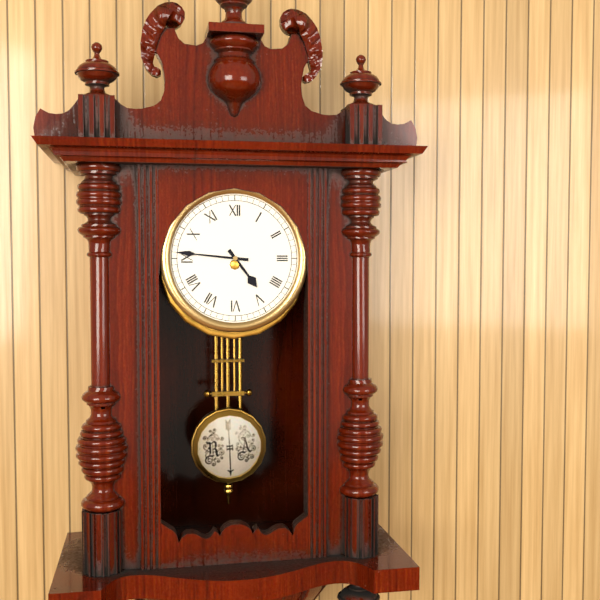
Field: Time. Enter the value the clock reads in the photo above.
4:46
